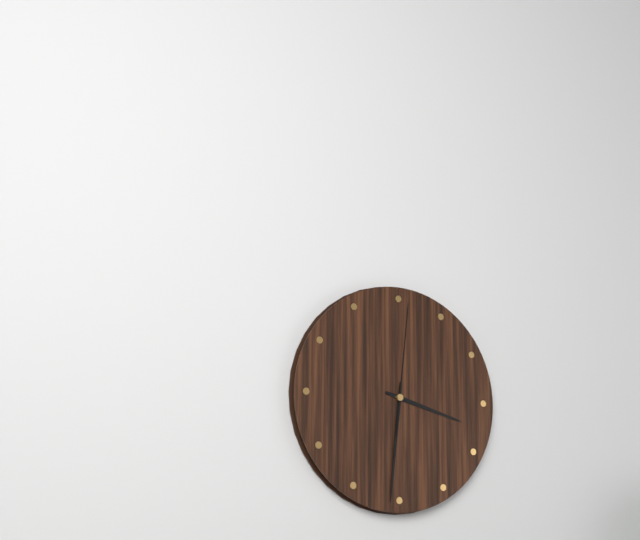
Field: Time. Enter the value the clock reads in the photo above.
3:31:01
